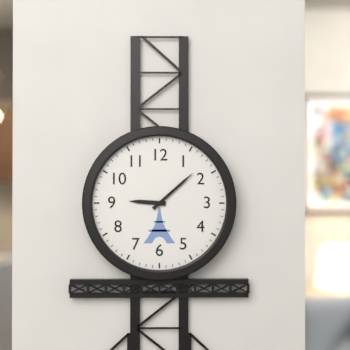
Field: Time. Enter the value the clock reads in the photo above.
9:08
